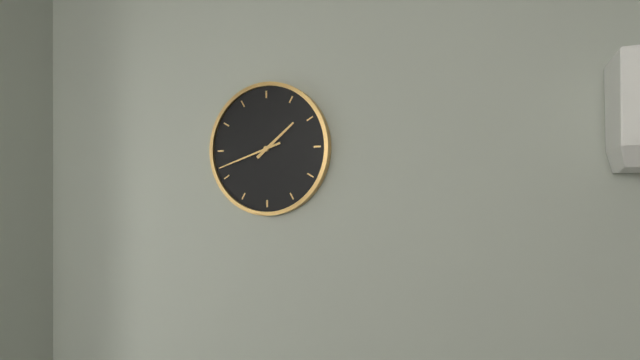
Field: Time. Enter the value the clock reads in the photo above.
1:42
